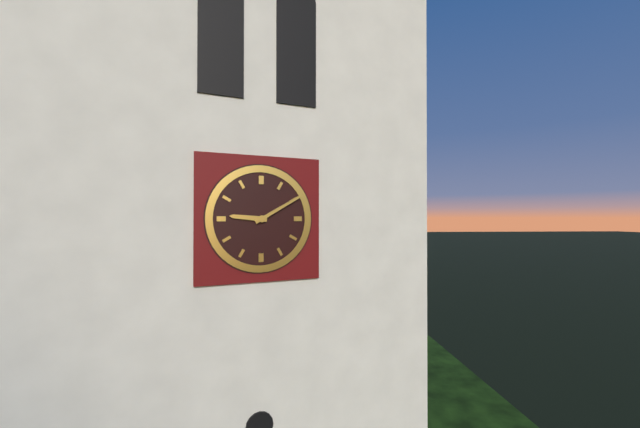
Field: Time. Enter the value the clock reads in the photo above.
9:10
